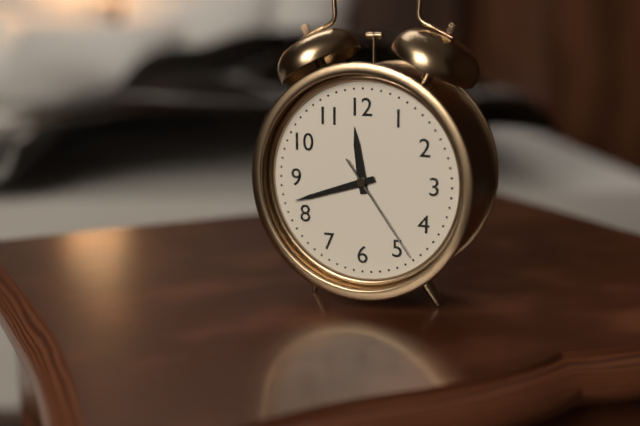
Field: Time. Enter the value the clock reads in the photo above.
11:42:24
